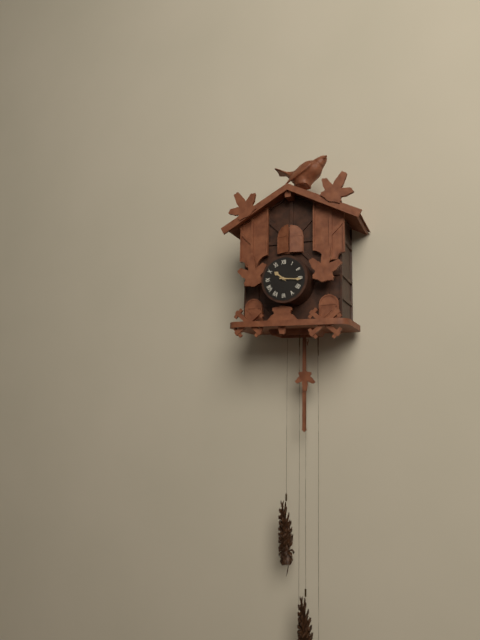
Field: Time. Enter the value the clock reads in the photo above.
10:16
